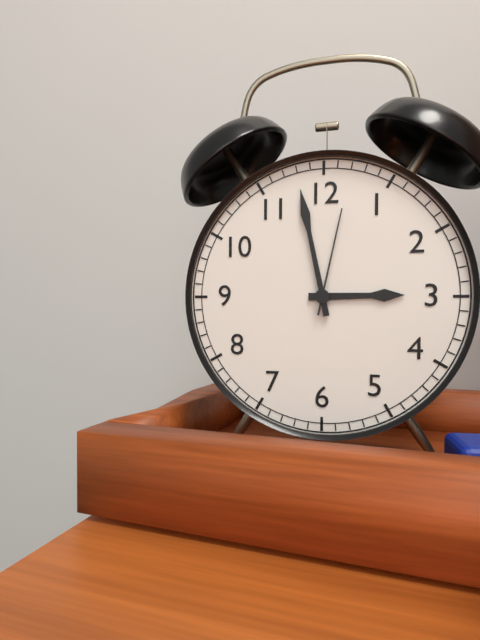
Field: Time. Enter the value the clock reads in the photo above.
2:58:02
